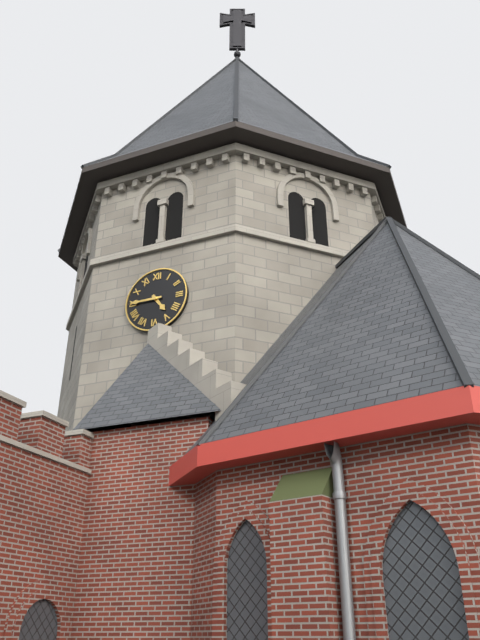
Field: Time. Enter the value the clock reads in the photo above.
4:45
